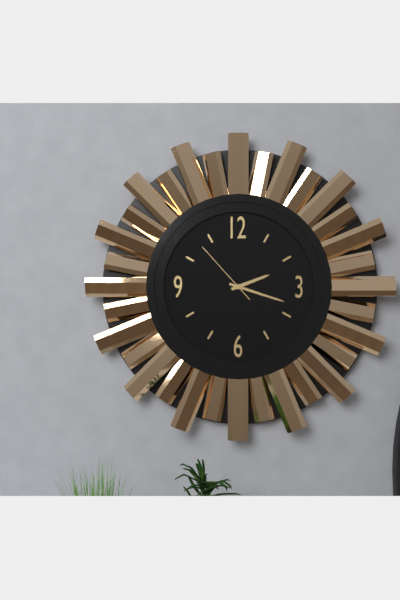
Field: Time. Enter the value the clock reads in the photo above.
2:18:53
